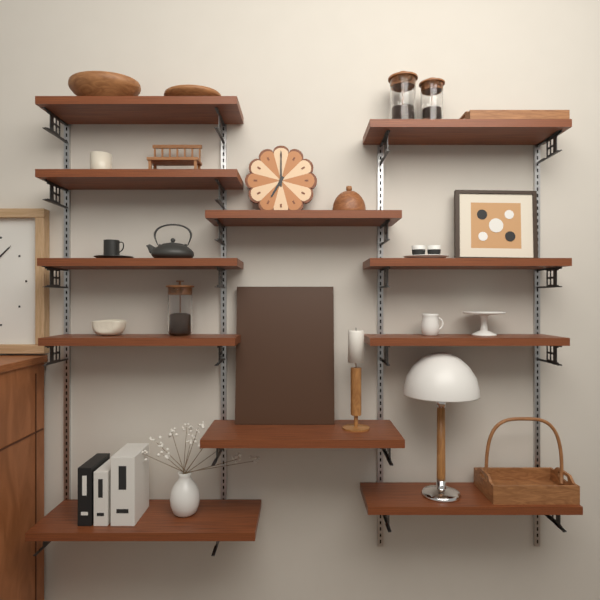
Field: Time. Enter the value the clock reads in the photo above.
7:00
